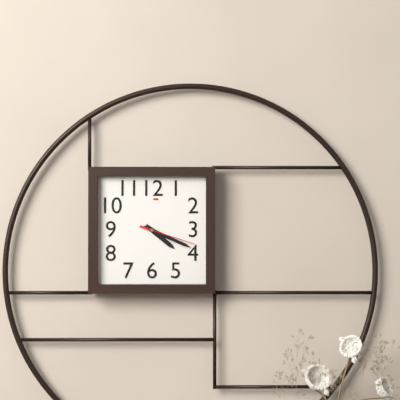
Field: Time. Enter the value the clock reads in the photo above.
4:19:18
